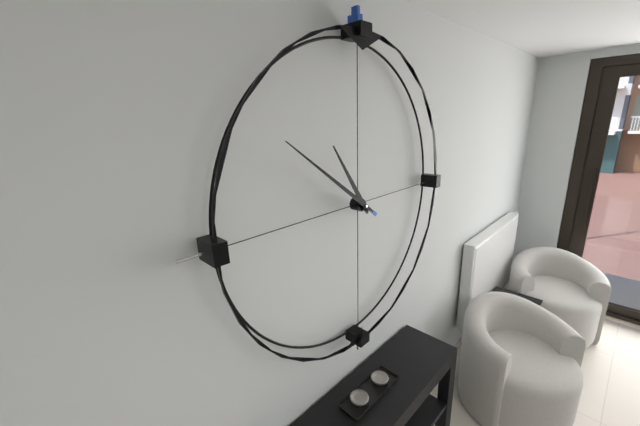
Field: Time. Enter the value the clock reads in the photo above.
10:51
